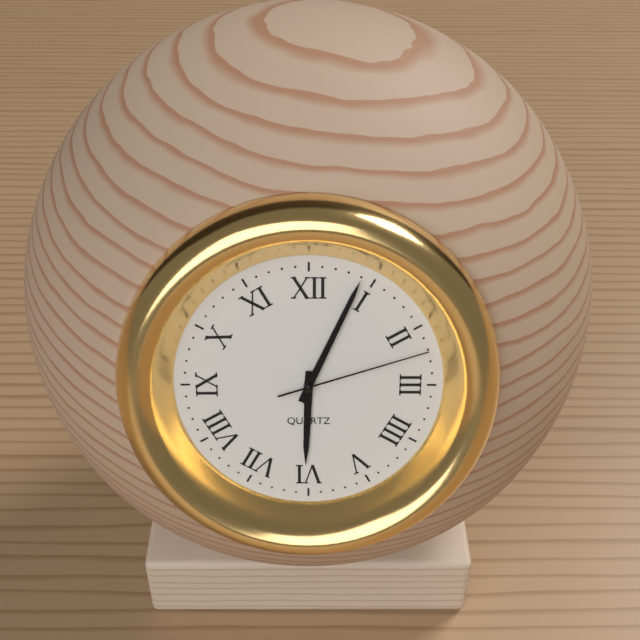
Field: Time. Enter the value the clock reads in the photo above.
6:04:12
